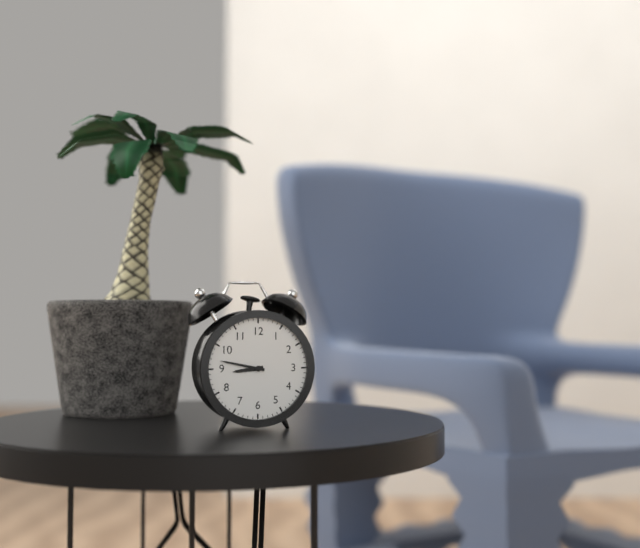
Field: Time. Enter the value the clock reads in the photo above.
8:47
